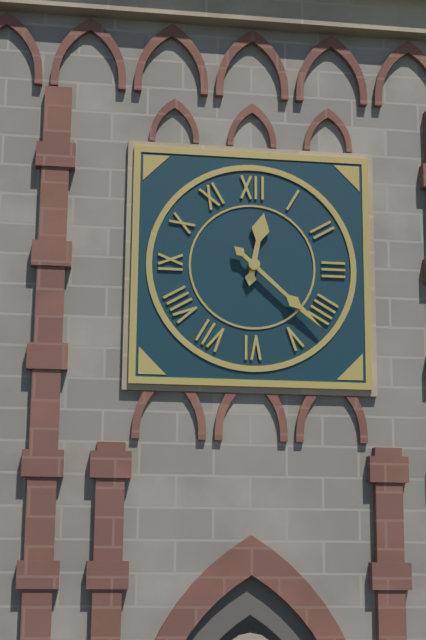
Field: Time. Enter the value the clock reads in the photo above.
12:22
